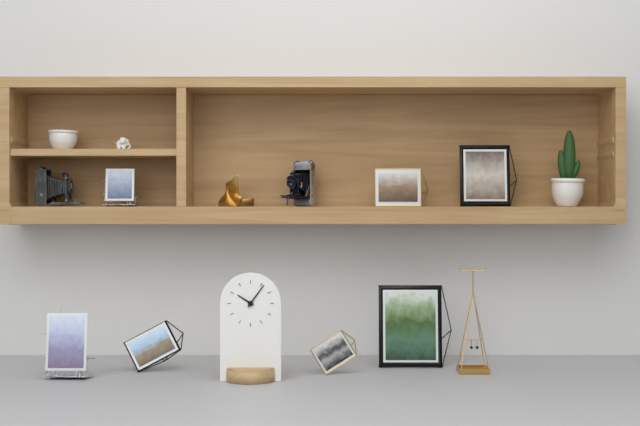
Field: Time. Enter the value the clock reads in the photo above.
10:06
